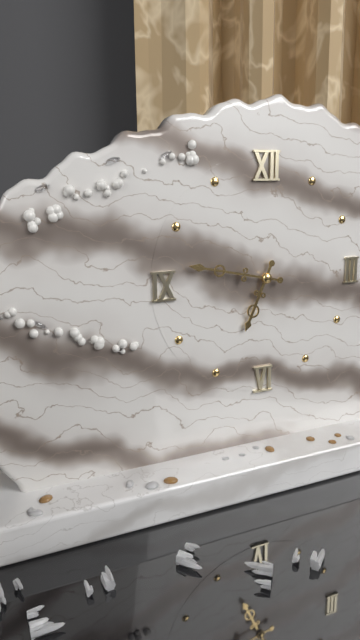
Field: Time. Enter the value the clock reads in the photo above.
6:47
